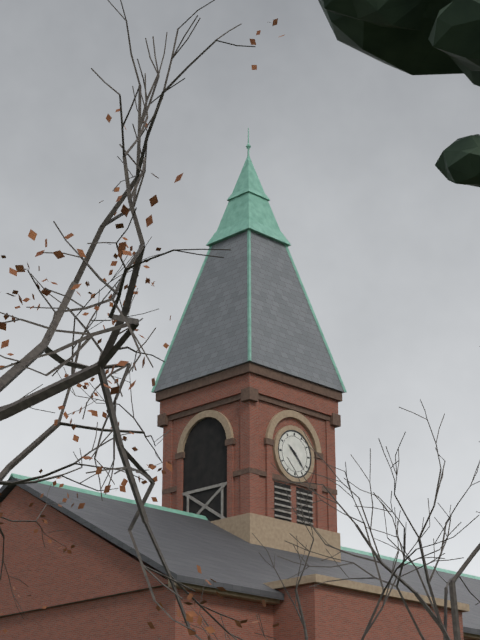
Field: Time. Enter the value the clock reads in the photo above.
10:23
